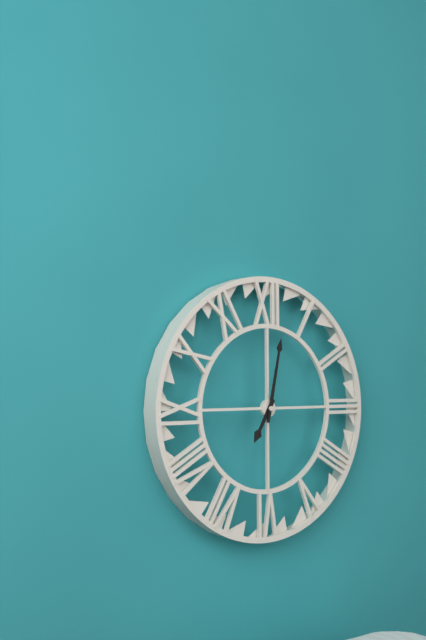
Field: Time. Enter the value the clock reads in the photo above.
7:02
